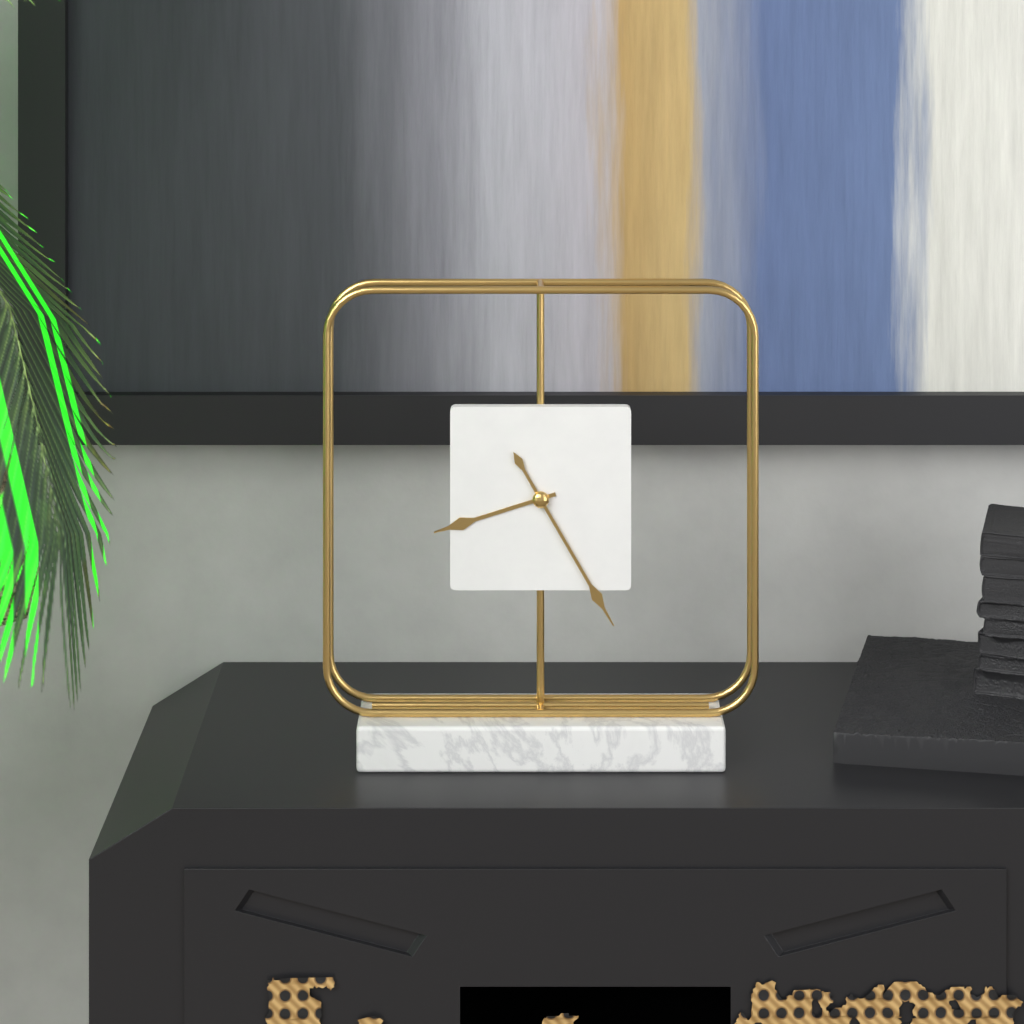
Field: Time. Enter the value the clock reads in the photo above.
8:25
